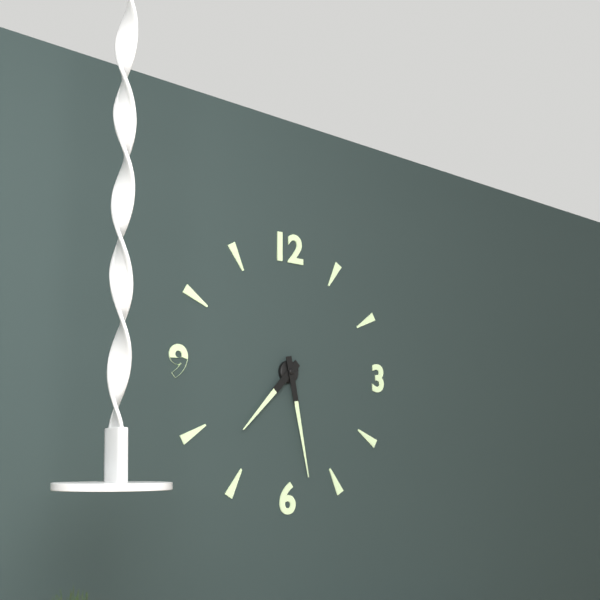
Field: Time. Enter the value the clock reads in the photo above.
7:28
